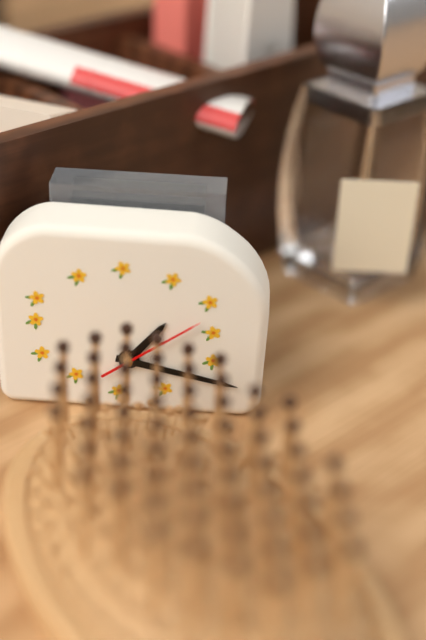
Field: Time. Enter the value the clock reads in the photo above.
1:17:09
